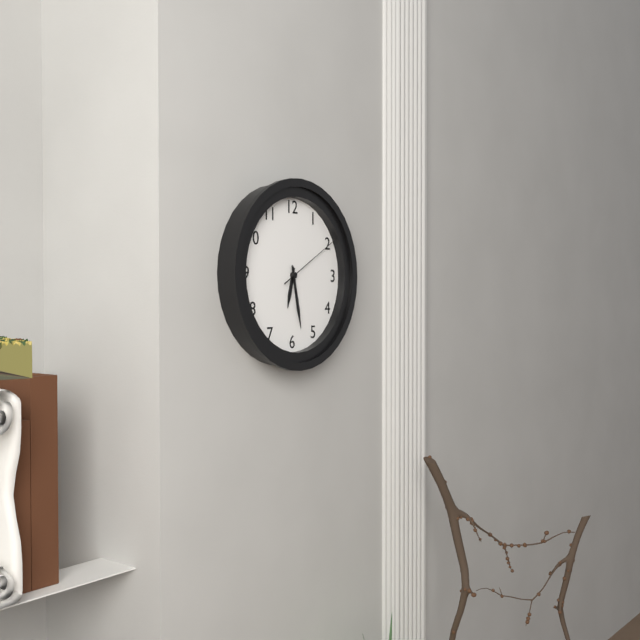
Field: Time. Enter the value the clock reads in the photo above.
6:28:10
